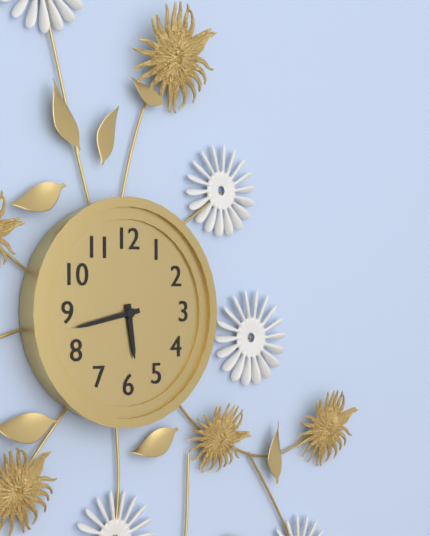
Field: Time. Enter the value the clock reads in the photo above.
5:43
